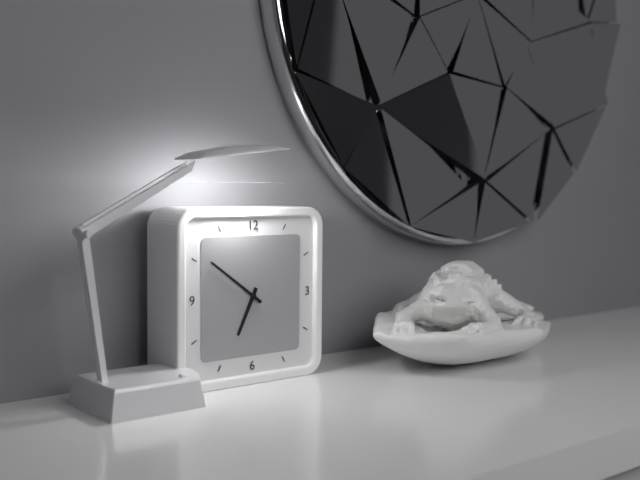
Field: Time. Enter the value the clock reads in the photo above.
6:51
